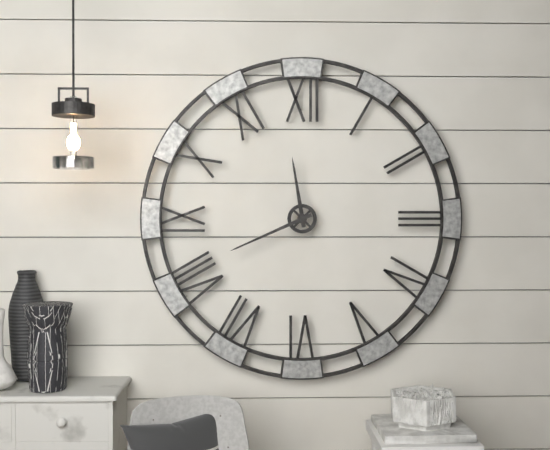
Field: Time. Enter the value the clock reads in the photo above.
11:41
